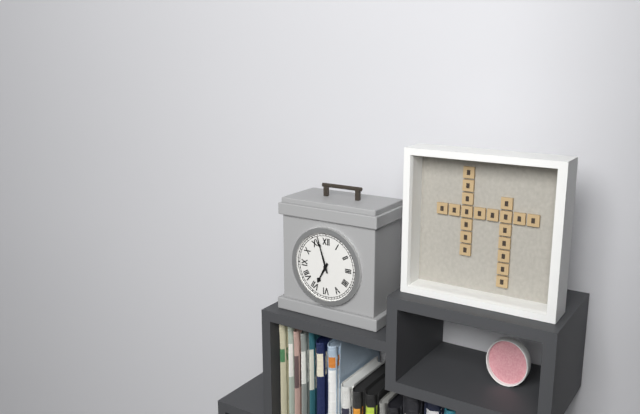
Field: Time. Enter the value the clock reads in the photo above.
6:57
